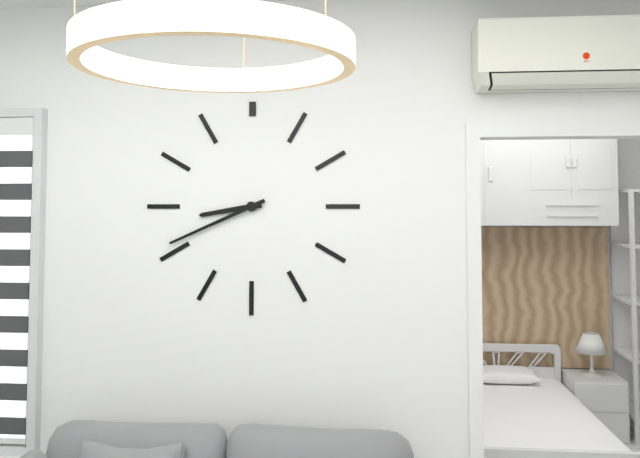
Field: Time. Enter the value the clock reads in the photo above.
8:41
